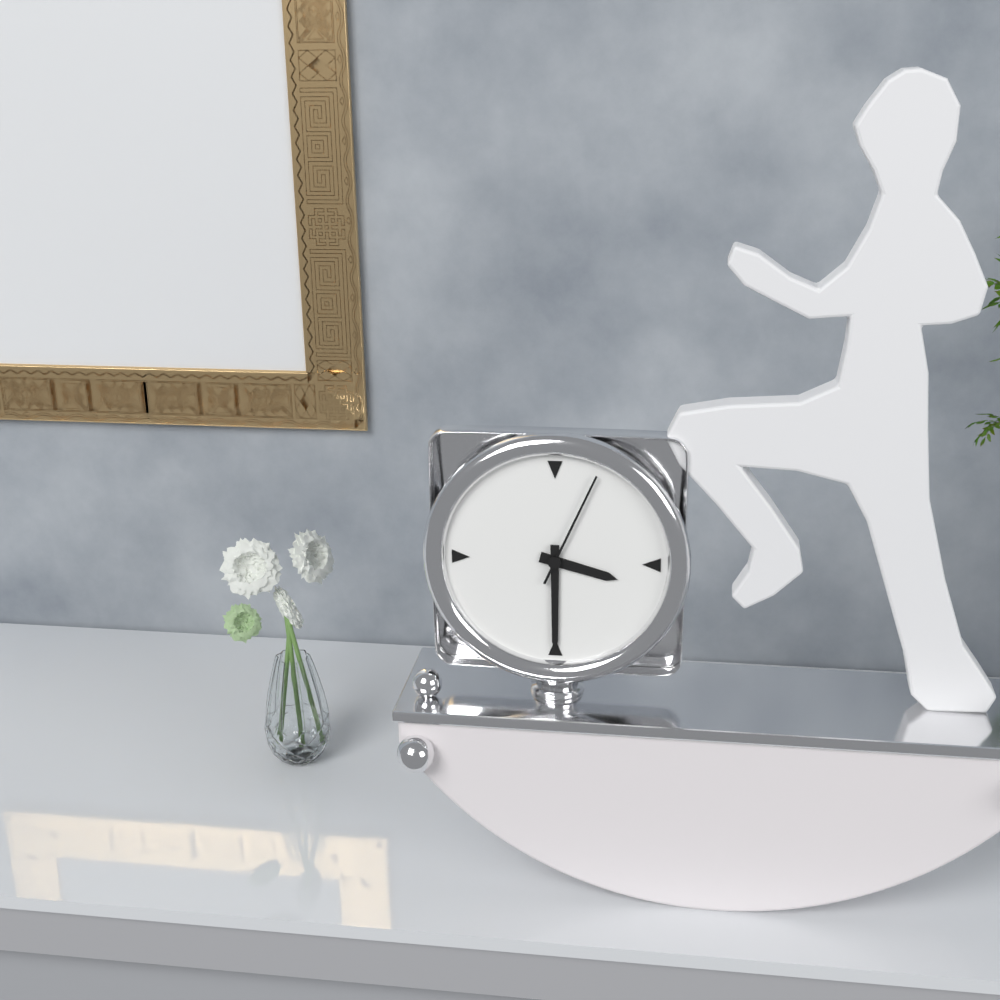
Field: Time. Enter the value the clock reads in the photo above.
3:30:04
